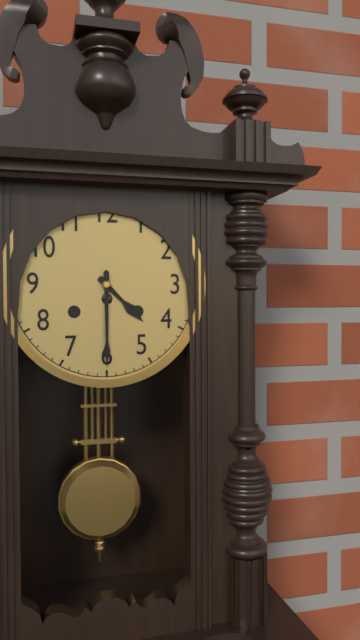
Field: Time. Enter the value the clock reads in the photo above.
4:30
